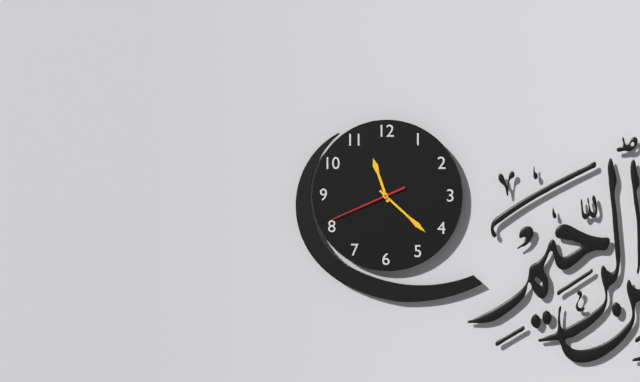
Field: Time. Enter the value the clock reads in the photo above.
11:22:41
